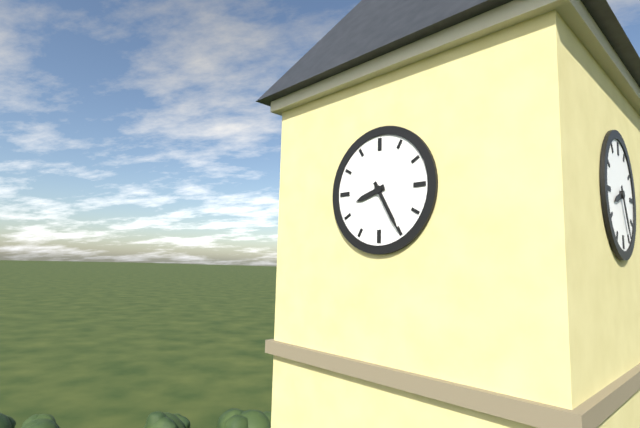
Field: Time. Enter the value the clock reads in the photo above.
8:25
